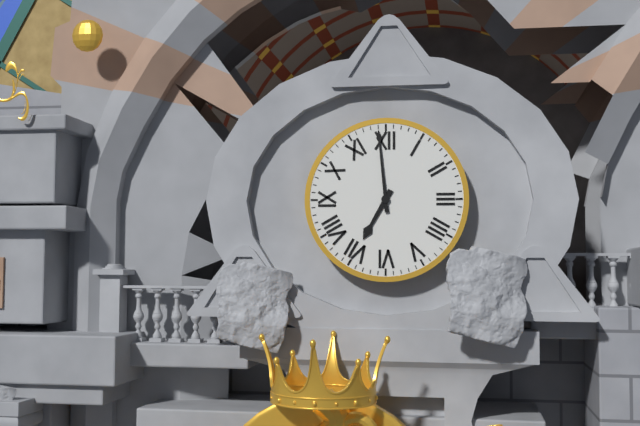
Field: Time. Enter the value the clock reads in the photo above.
6:59
